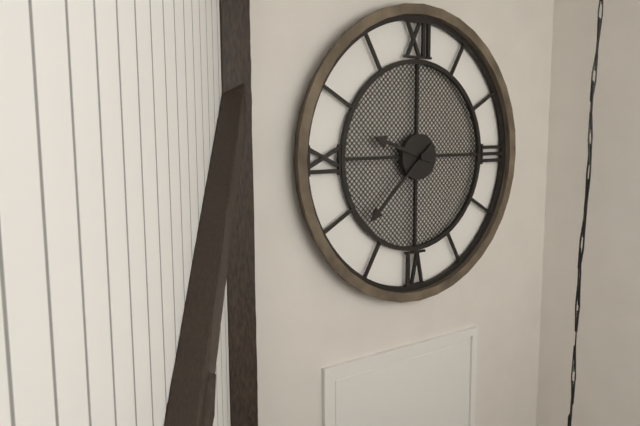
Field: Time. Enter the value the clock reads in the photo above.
9:38
